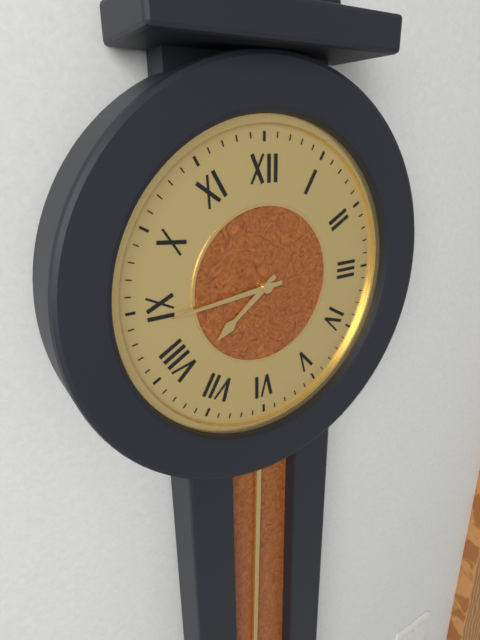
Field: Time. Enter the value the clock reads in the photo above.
7:44
